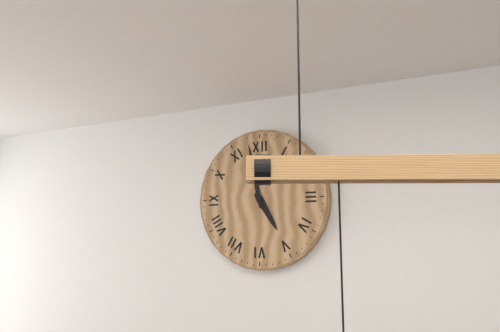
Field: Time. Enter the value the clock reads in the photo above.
4:58
